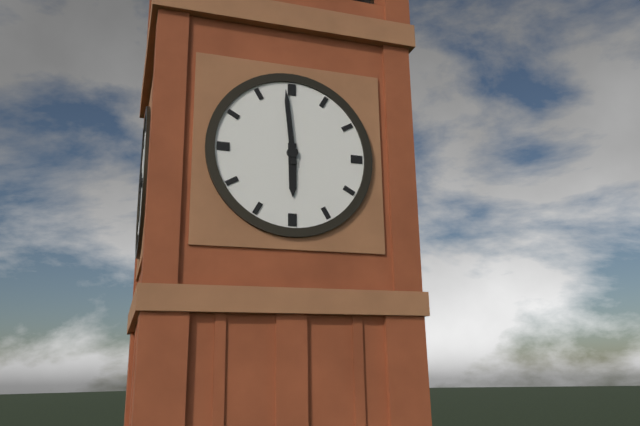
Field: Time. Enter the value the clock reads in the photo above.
5:59
